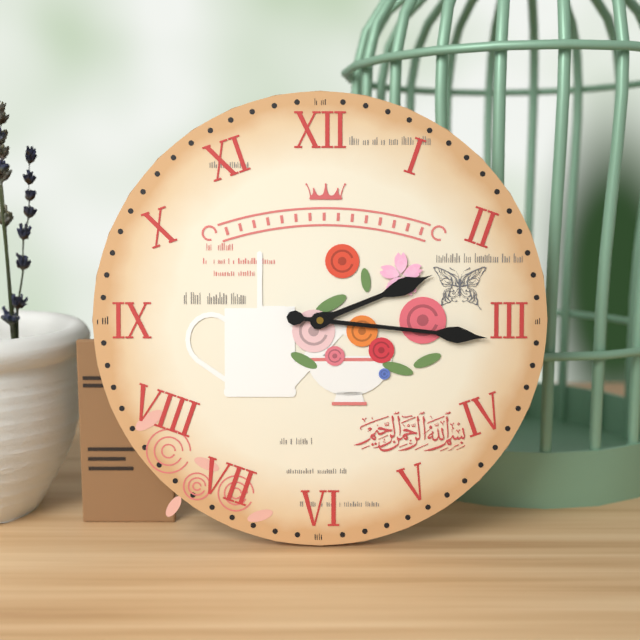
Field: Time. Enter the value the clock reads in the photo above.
2:16
